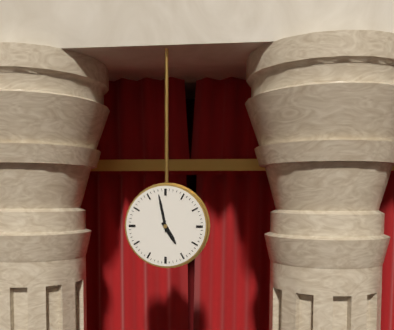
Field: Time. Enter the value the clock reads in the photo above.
4:58
